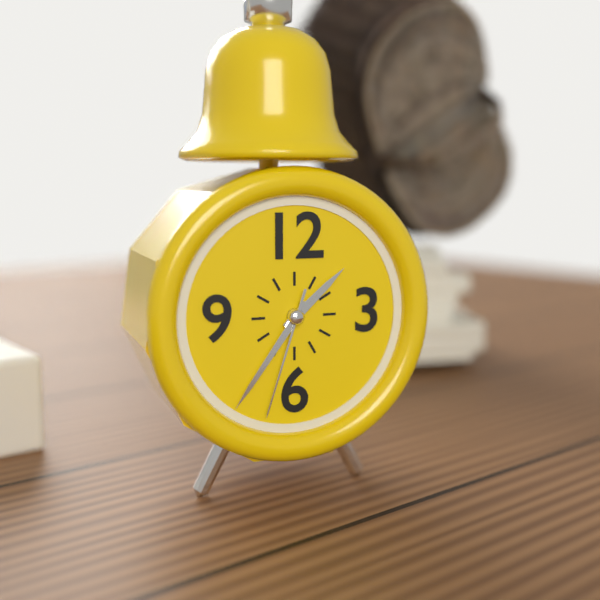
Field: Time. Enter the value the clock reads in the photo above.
1:36:33
